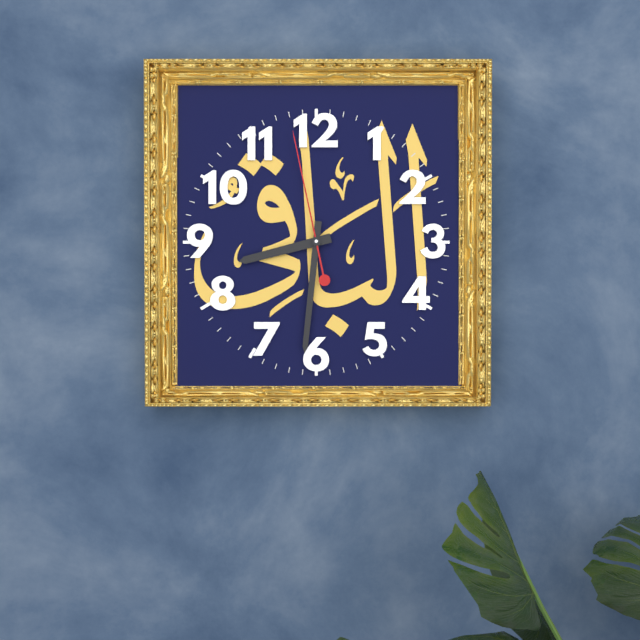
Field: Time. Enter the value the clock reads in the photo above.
8:31:58
